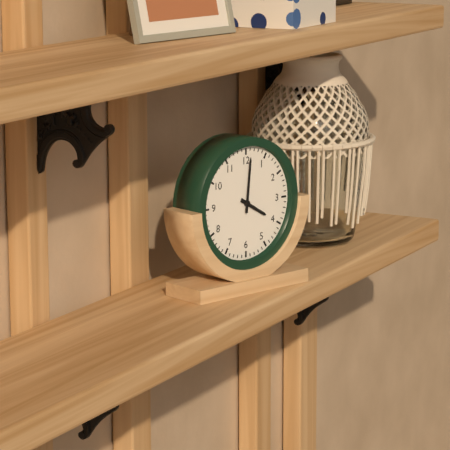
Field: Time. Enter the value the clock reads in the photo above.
4:01
